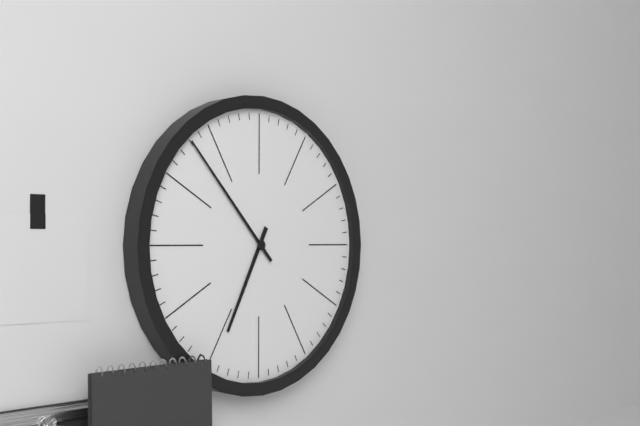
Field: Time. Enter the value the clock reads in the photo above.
6:53
